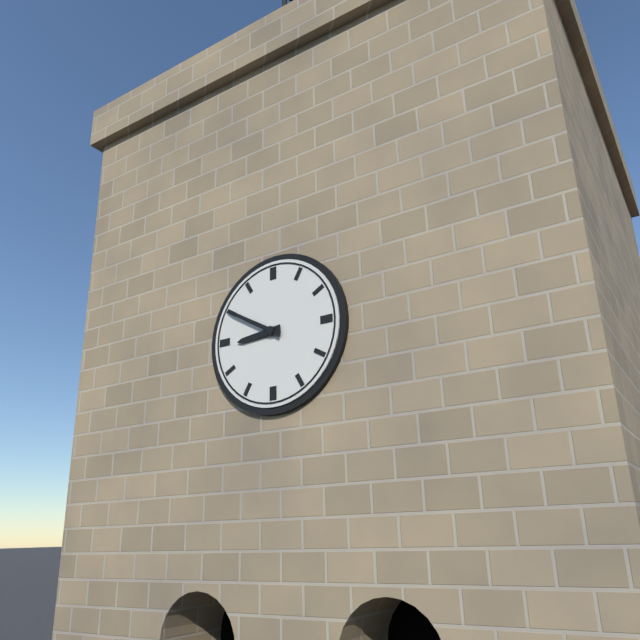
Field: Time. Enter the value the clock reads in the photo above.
8:50
